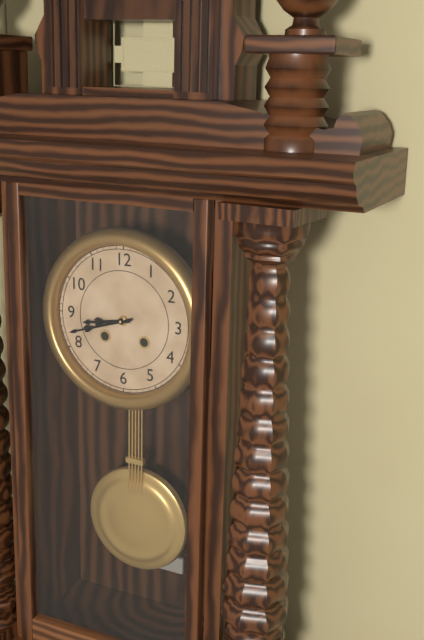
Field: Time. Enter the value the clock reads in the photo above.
8:42
